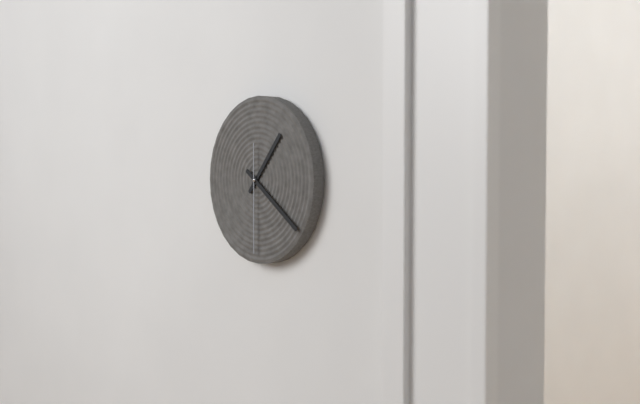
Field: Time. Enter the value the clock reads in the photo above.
1:21:30
